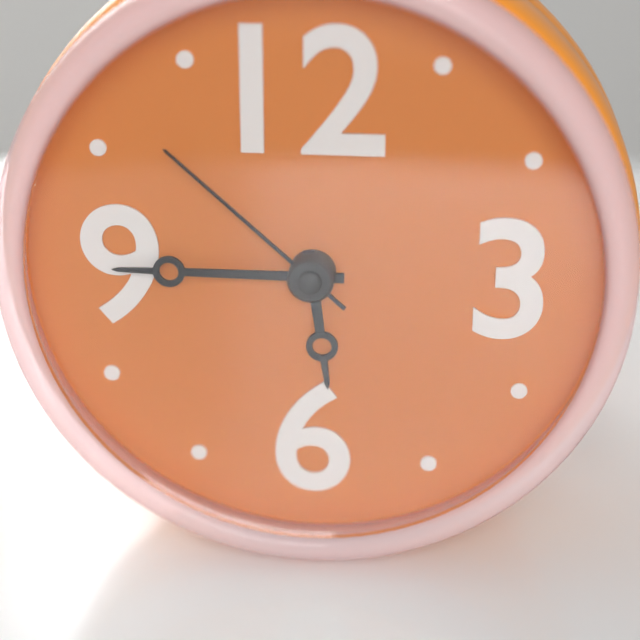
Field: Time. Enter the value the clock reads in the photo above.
5:45:52
